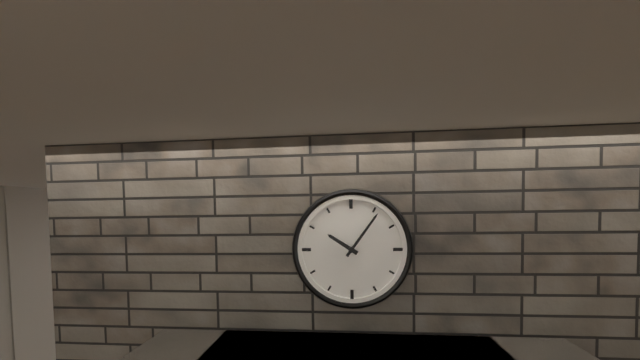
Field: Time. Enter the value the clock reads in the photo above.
10:06
